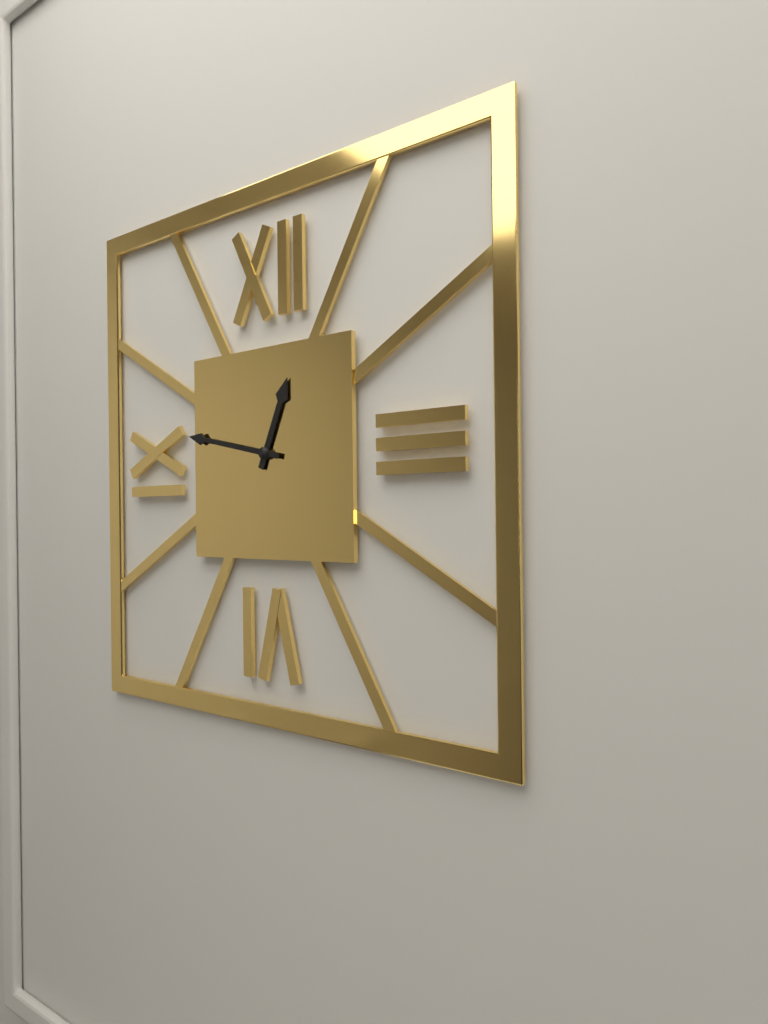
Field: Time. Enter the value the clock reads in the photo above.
12:47
